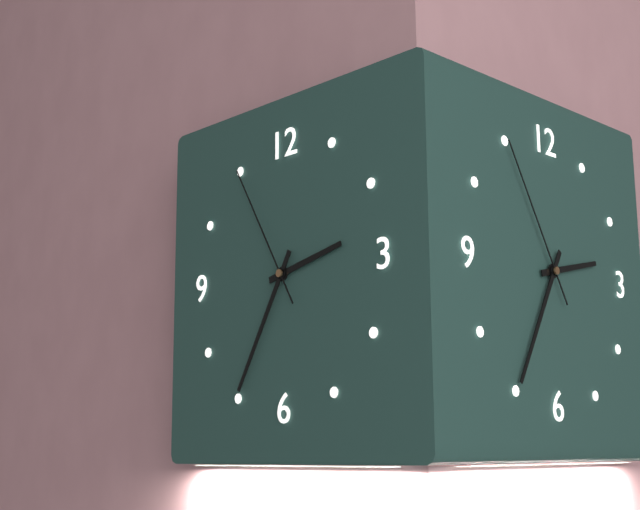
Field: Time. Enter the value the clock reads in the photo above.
2:35:55
